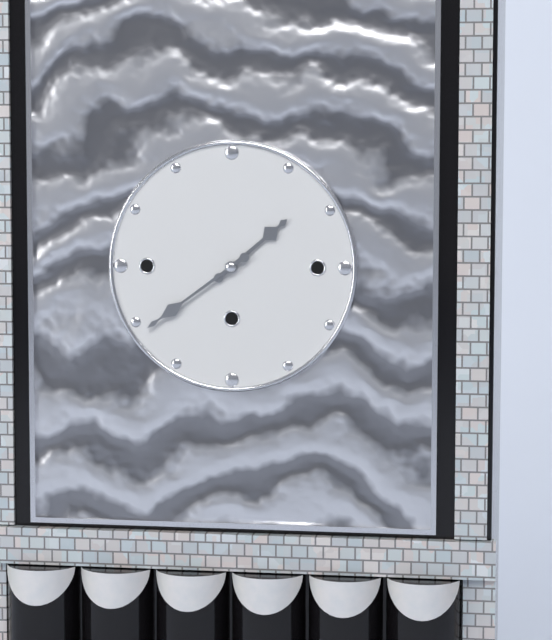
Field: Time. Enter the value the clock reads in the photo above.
1:39
